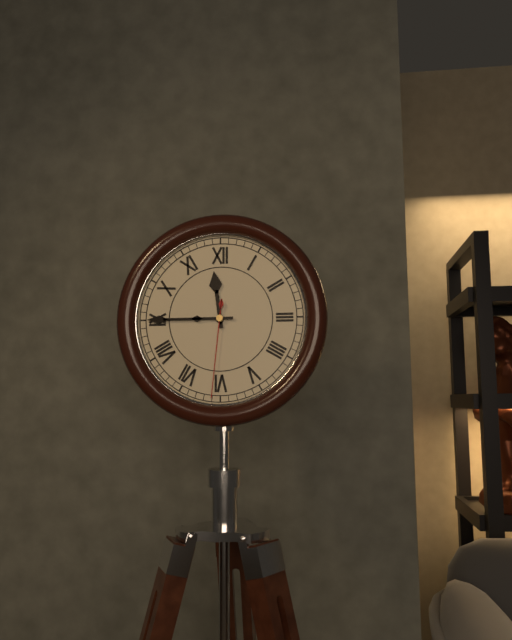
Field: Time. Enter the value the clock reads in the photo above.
11:45:31
